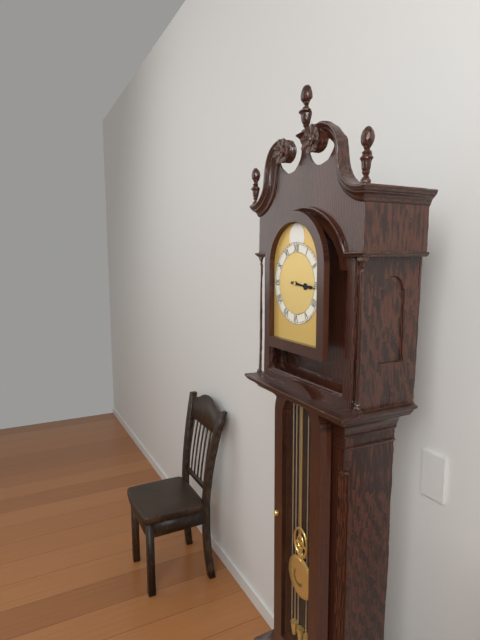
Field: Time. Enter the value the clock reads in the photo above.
3:16
